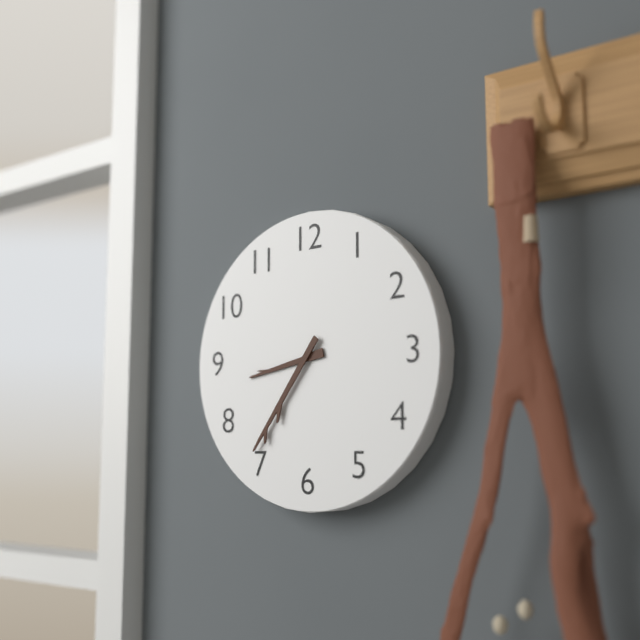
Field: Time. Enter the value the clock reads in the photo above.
8:36
